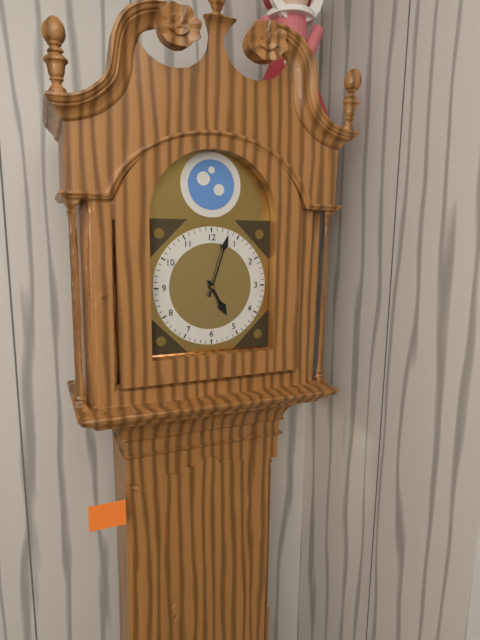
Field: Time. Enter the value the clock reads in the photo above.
5:03
